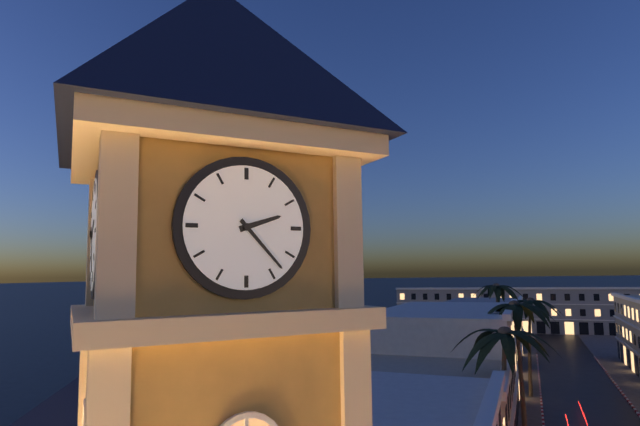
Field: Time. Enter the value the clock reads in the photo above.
2:23
